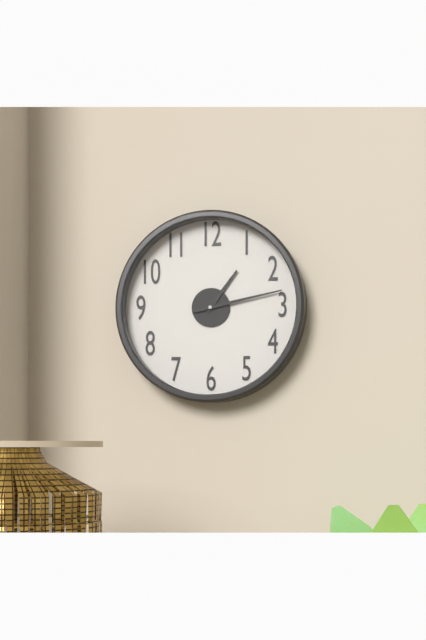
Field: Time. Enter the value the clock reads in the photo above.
1:13
